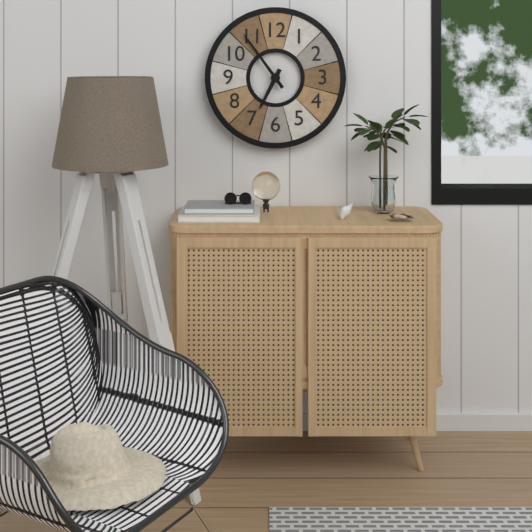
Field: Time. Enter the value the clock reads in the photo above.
6:54
